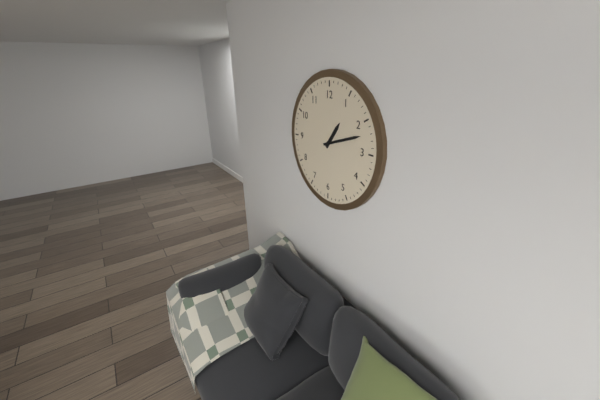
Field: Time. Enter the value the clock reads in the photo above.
1:12
